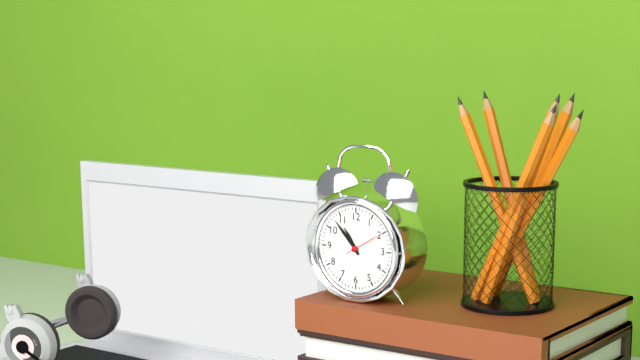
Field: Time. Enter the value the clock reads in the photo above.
10:53
